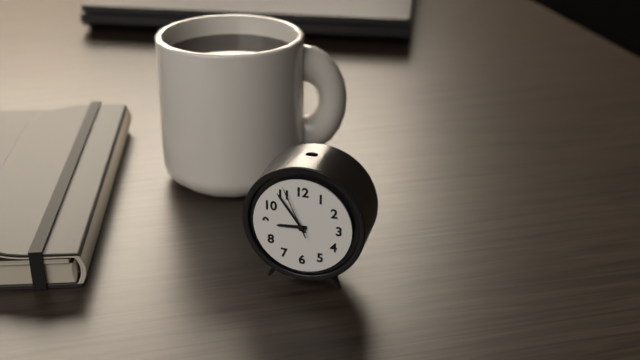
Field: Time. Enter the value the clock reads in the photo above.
8:54:56
